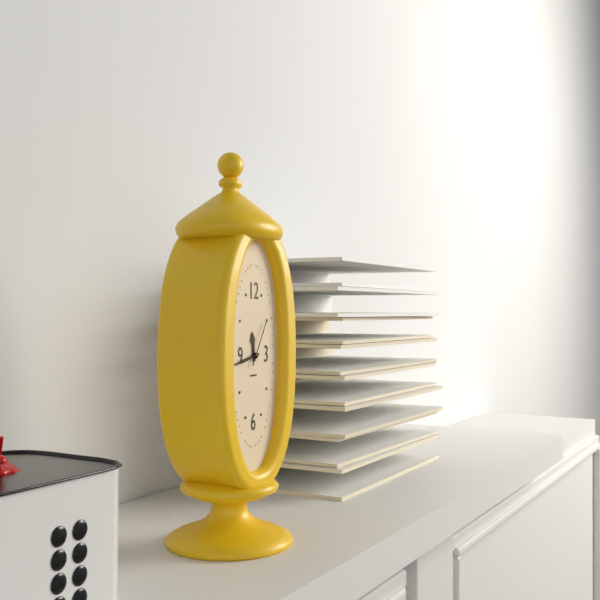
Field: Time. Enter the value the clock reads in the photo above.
11:43
